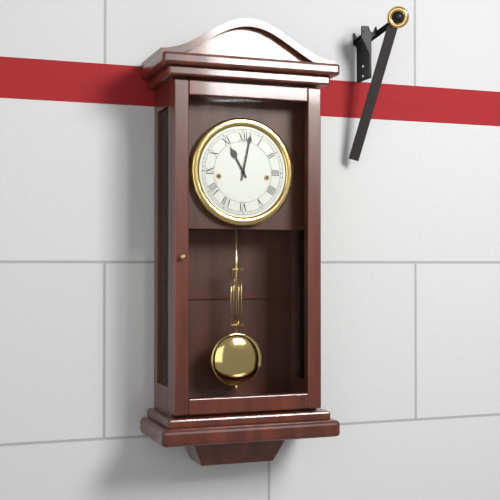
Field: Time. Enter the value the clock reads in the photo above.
11:02
